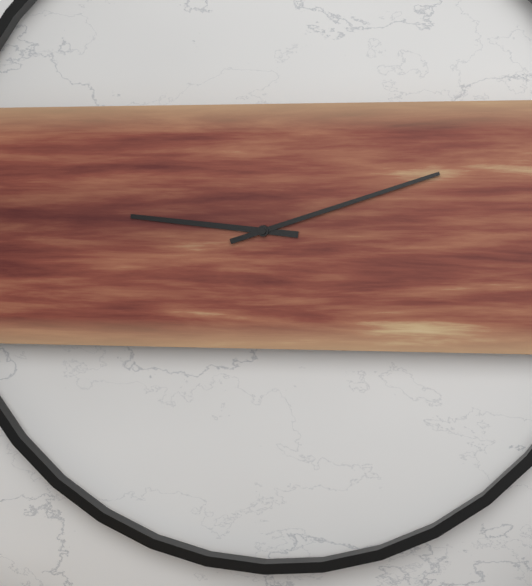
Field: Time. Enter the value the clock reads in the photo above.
9:12
